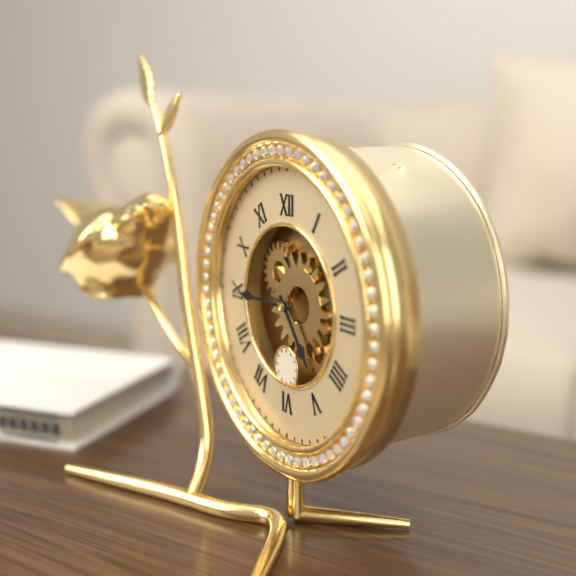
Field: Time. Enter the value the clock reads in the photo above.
4:45
